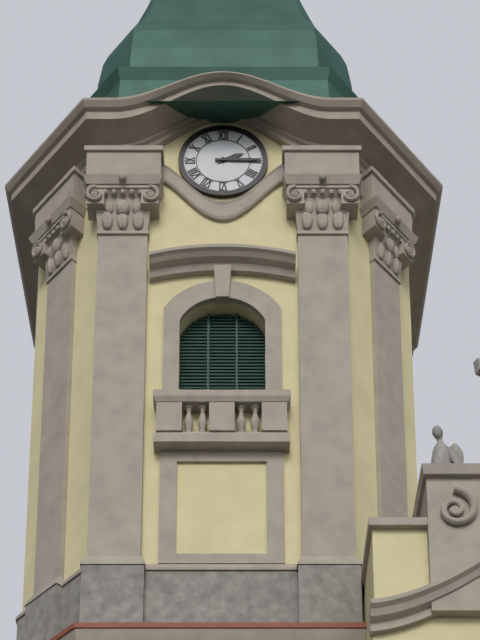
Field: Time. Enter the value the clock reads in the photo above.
2:15
